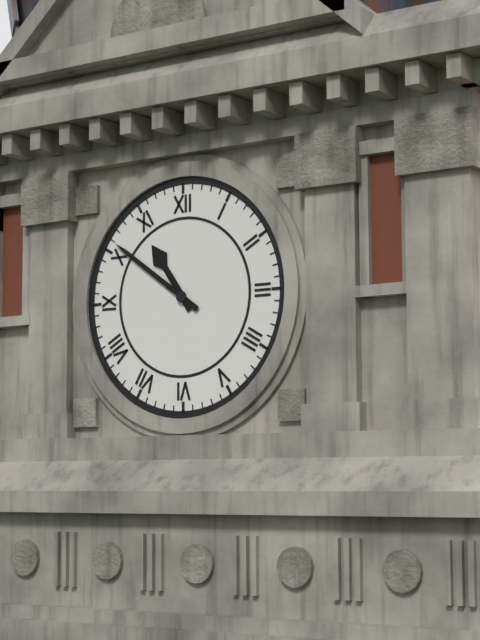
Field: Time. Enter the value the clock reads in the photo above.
10:51
